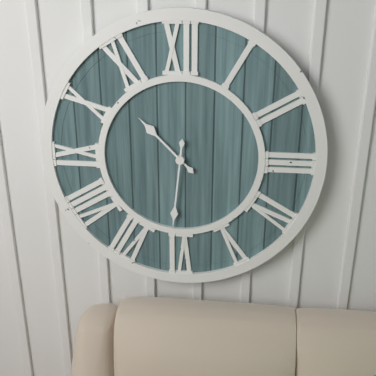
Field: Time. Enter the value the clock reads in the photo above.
10:31
